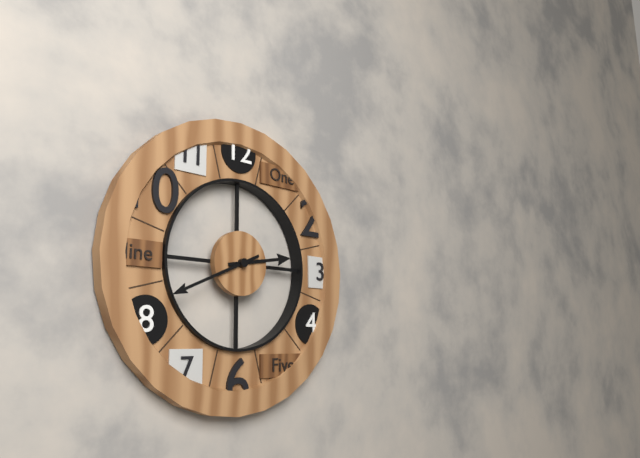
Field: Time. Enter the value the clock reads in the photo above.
2:41
